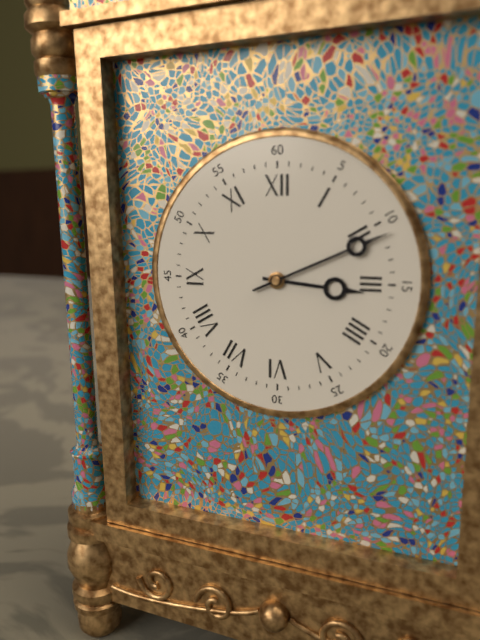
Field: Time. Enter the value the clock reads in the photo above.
3:11
